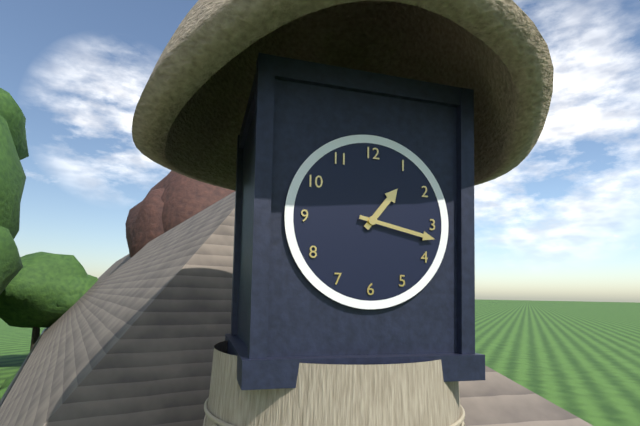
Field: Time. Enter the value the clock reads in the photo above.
1:17
